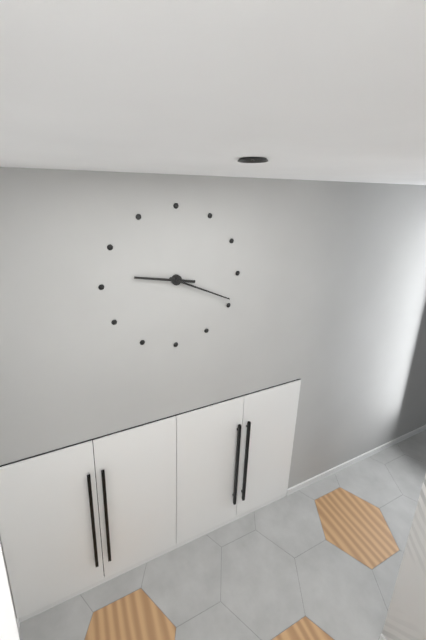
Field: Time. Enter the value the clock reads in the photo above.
9:19
